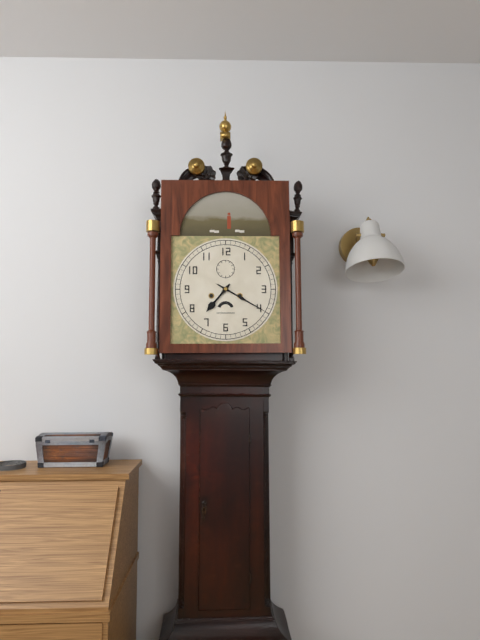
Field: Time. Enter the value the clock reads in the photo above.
7:20
